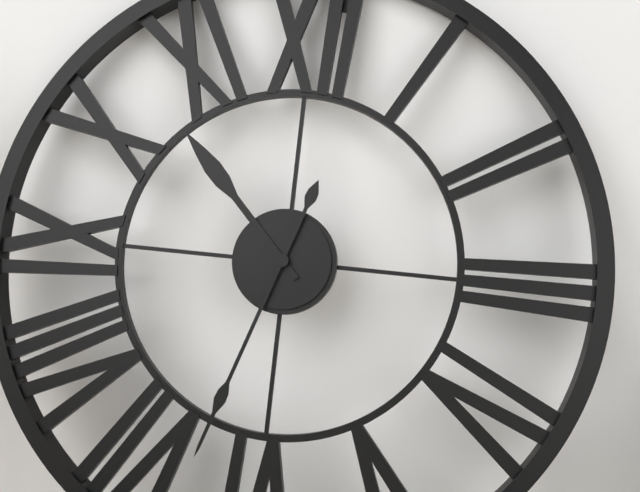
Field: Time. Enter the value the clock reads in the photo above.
10:33
